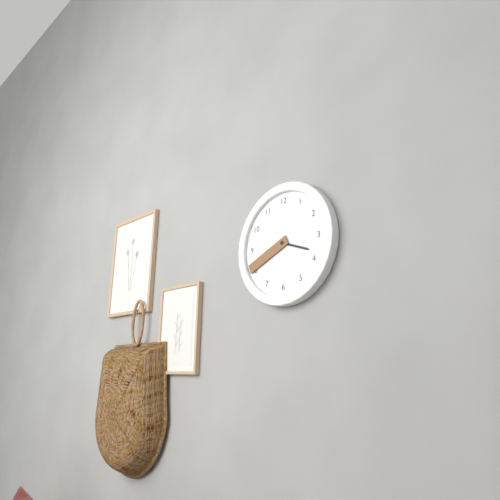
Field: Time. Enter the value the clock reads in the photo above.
3:41
